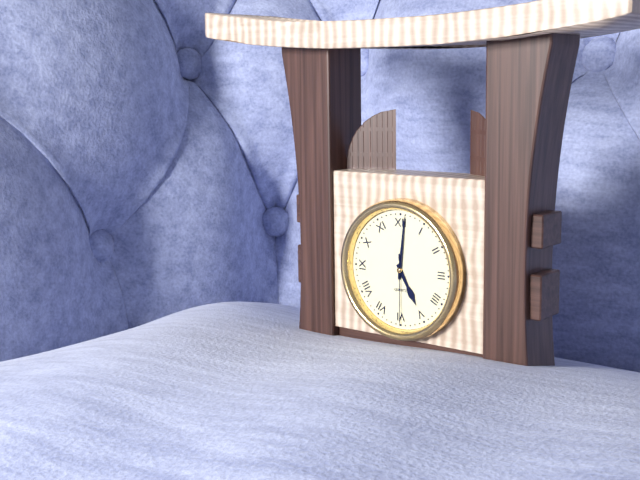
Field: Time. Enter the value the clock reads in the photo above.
5:01:30
